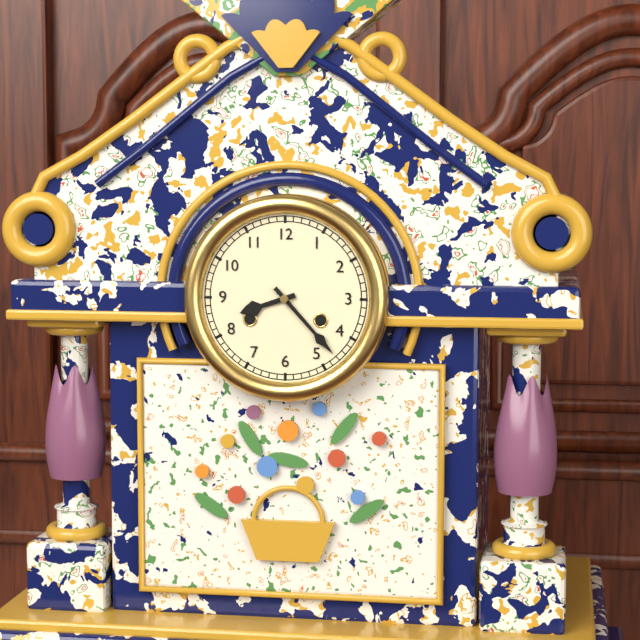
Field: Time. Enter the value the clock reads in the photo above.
8:23
